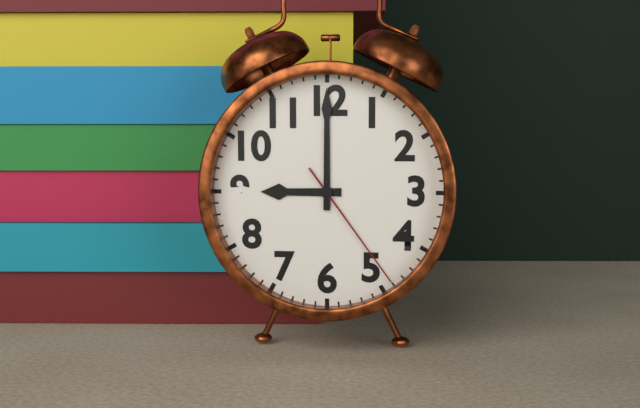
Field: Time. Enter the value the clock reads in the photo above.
9:00:24
